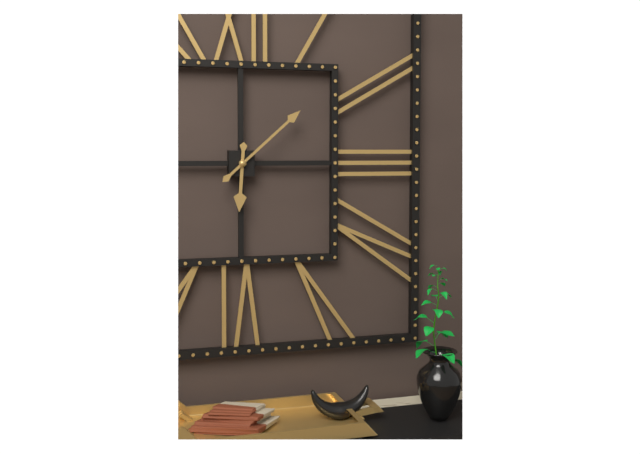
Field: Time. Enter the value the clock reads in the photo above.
6:08
